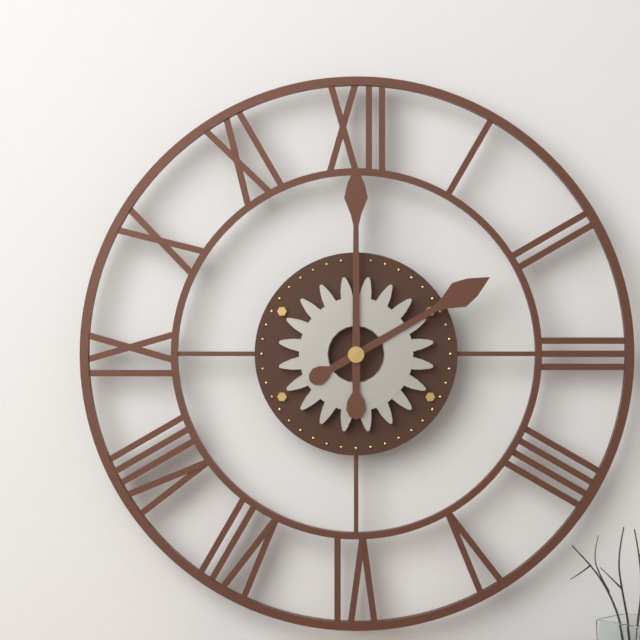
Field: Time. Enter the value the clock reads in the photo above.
2:00
